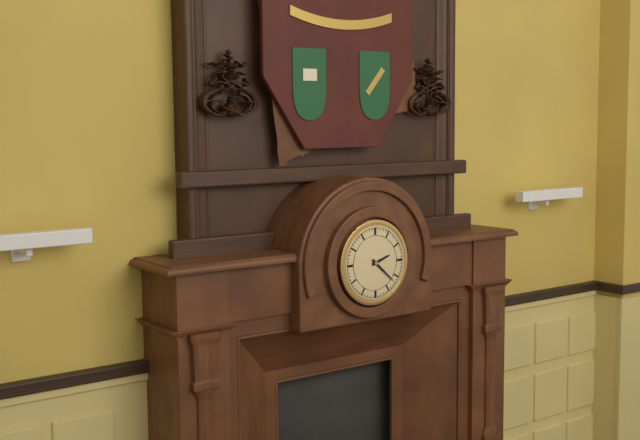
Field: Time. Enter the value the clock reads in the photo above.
2:22
